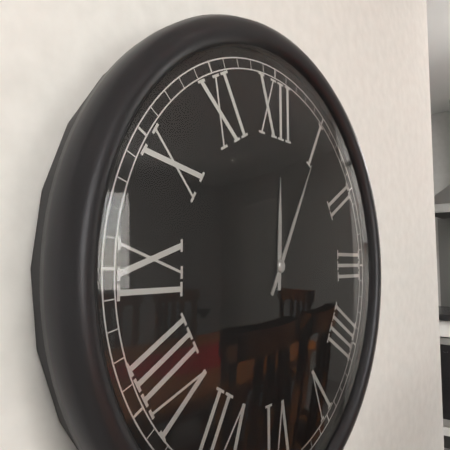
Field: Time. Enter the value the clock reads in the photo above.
12:05
